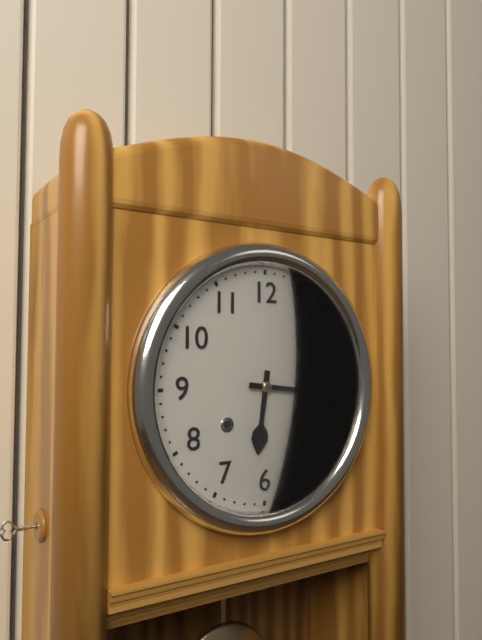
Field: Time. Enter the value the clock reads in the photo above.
6:16
